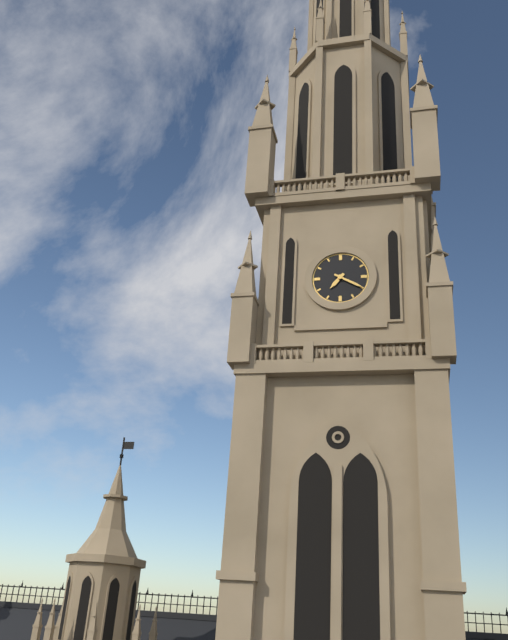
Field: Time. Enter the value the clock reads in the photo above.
7:20
